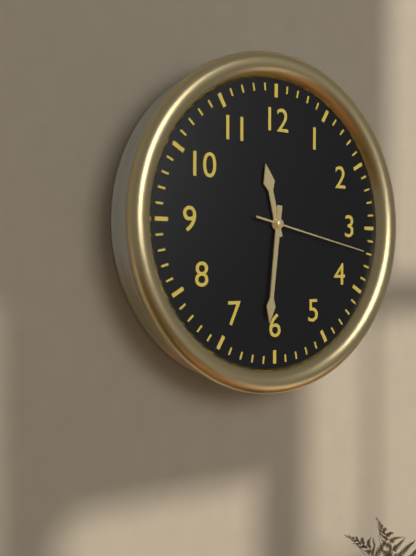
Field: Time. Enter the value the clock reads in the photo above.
11:31:17
